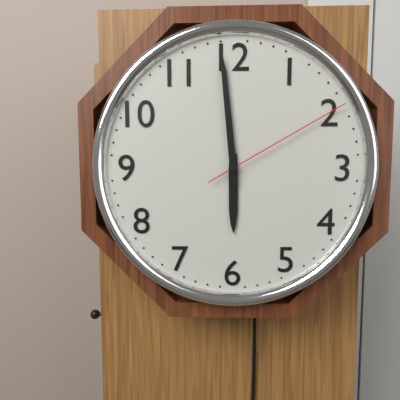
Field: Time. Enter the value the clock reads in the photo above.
5:59:10
